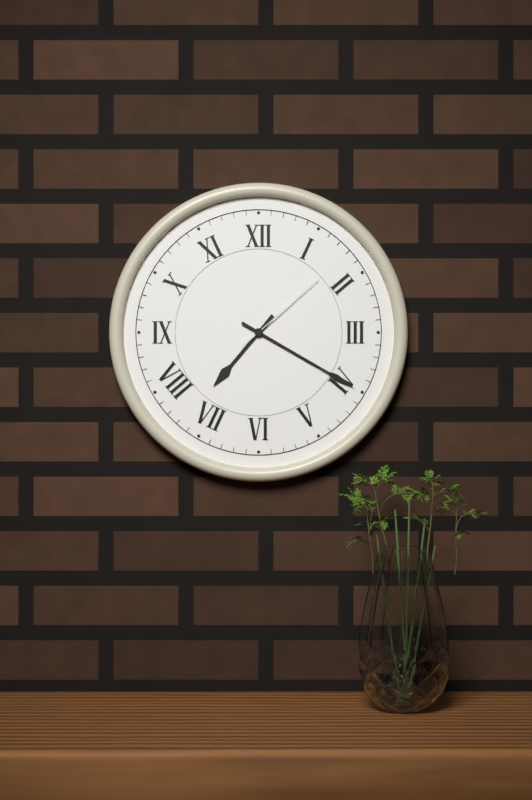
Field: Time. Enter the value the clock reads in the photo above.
7:20:08
